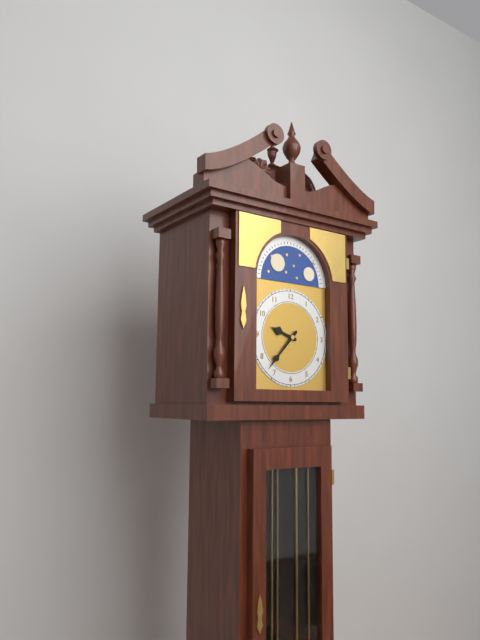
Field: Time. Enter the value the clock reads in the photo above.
9:37
